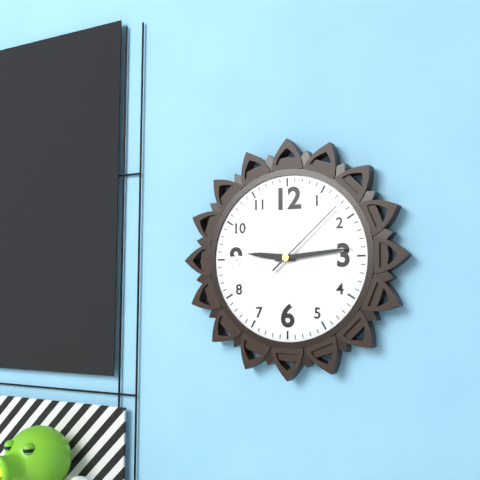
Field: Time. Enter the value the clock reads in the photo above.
9:14:08
